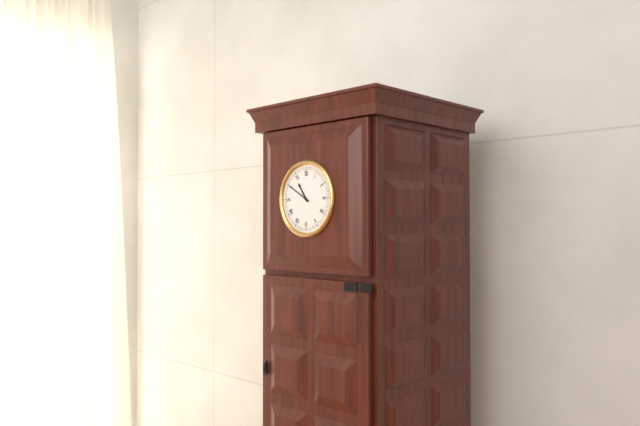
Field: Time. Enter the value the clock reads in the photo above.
10:50
